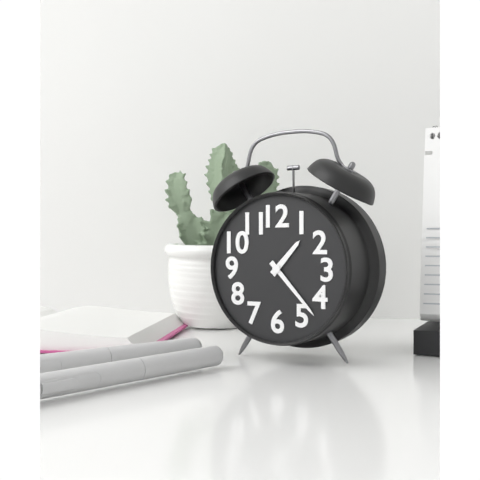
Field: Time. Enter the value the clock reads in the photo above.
1:23
